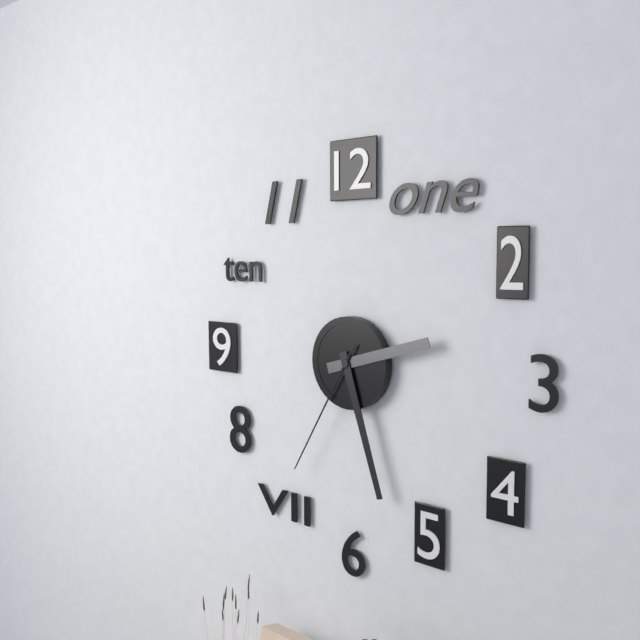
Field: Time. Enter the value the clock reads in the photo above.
2:27:35
